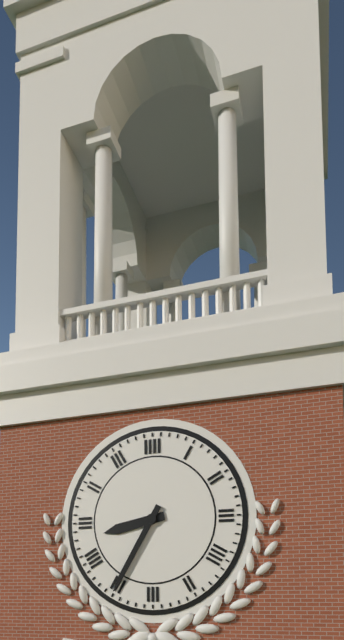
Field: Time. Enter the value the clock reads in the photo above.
8:35
